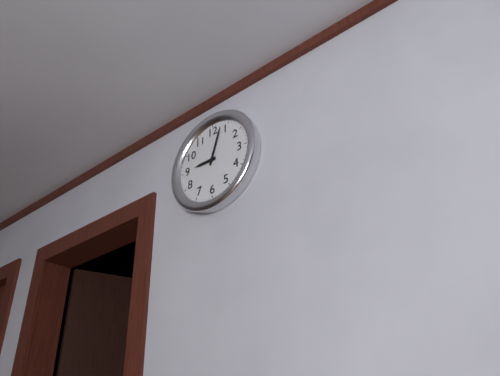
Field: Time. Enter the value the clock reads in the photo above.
9:03
